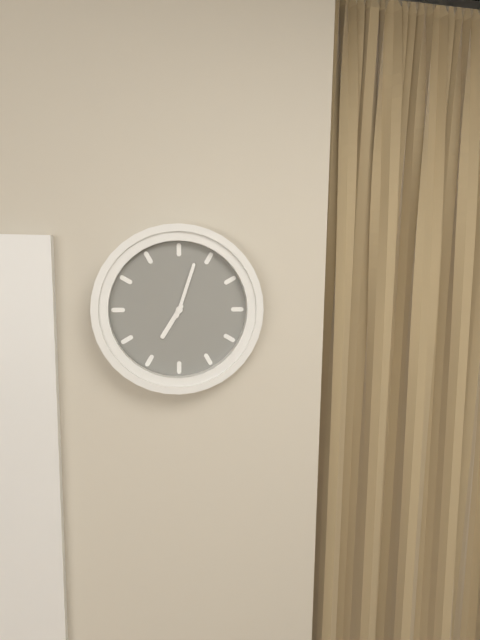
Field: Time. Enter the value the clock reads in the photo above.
7:03
